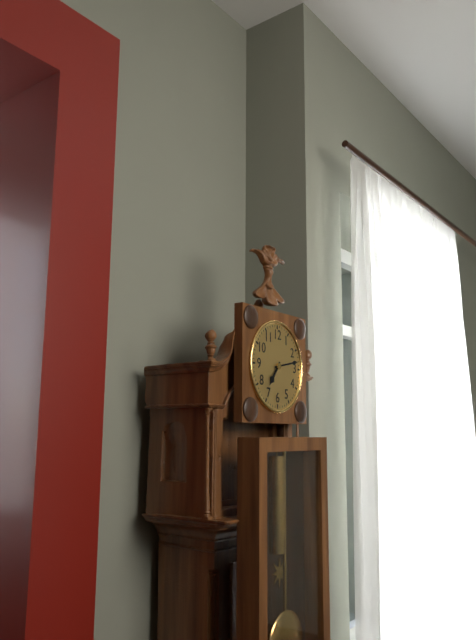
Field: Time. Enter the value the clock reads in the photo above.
7:13
